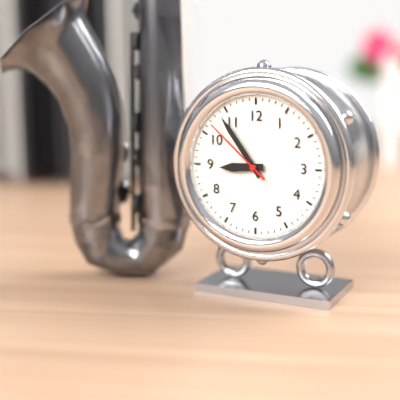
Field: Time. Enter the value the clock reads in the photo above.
8:54:52
